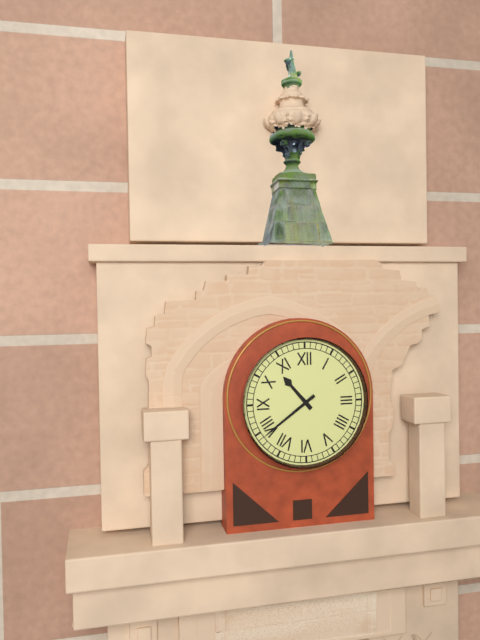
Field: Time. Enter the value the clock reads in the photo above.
10:39
